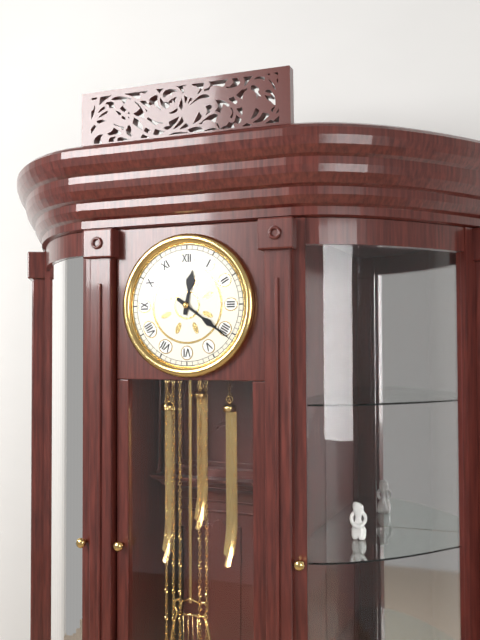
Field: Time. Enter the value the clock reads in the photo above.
12:21
